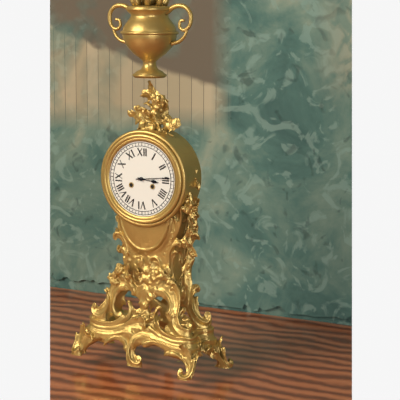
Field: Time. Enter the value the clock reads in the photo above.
3:14
